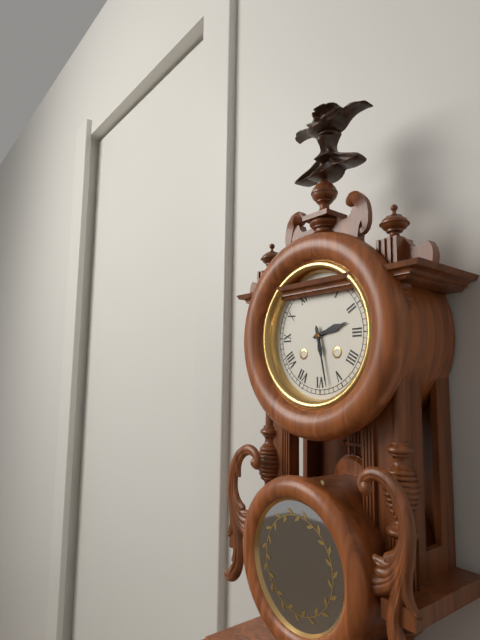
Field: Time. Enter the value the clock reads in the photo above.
2:28
